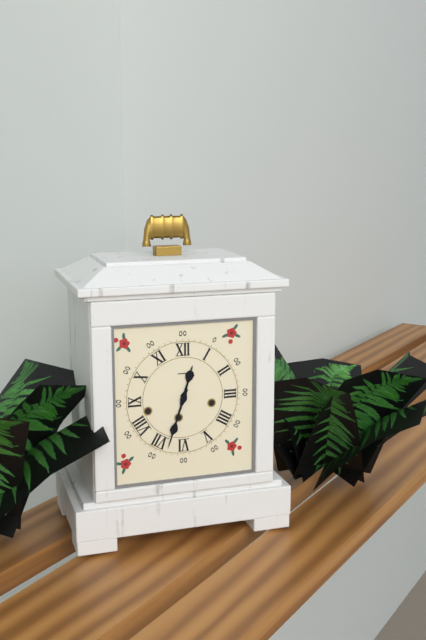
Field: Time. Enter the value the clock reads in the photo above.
12:33
